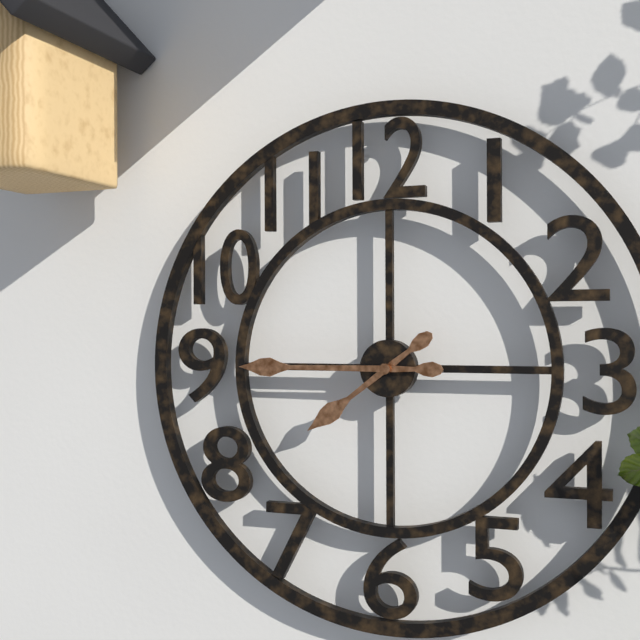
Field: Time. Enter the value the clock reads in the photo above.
7:45
